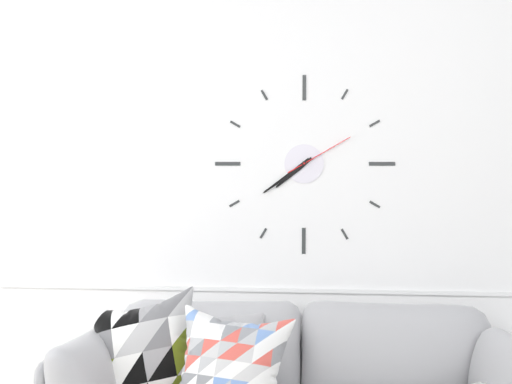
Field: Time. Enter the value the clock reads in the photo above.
7:39:10
